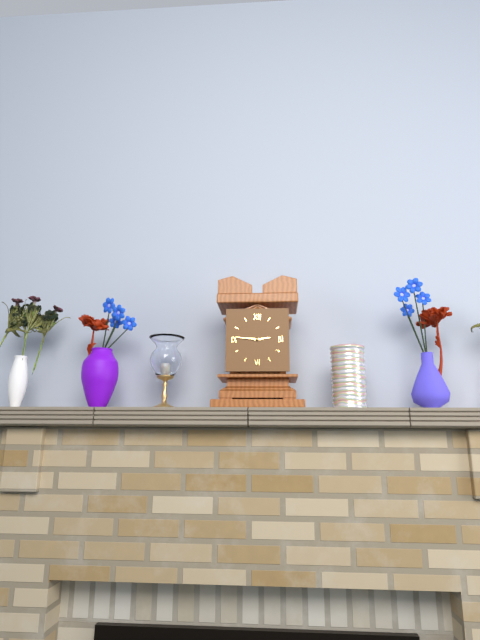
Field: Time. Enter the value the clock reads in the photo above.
2:46
